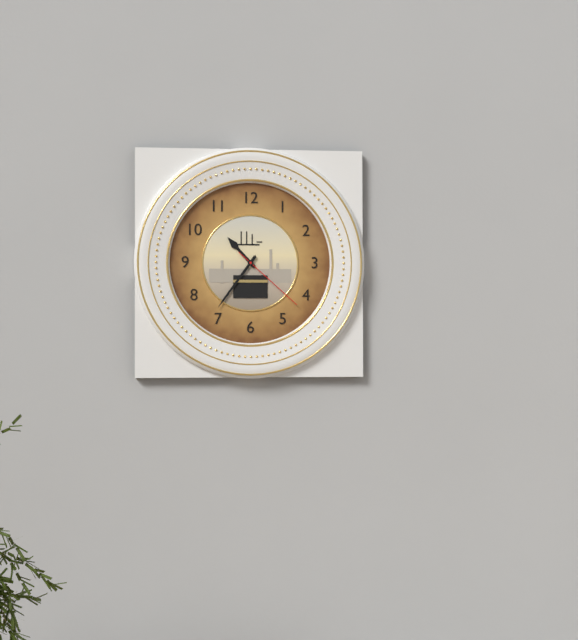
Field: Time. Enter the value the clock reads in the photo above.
10:36:22
